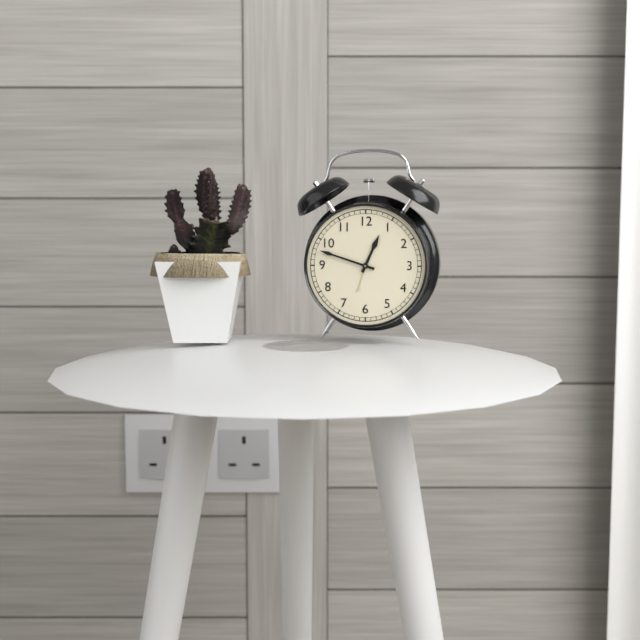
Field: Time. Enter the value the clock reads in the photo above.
12:48
